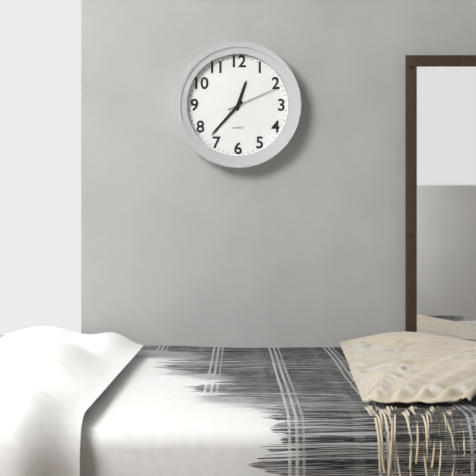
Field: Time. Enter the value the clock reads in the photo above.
12:37:11
